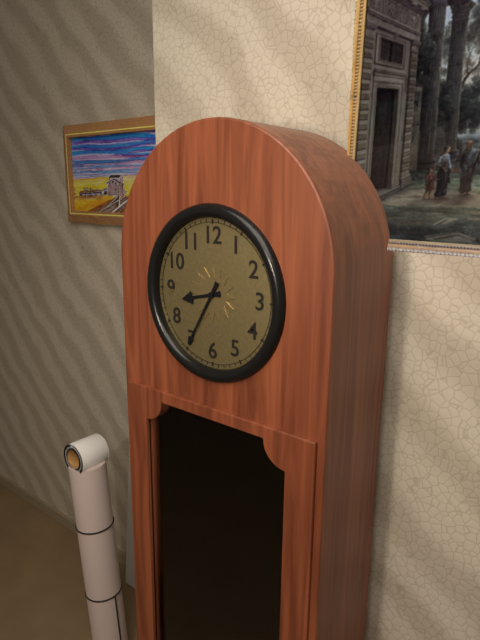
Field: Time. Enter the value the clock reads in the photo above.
8:35
